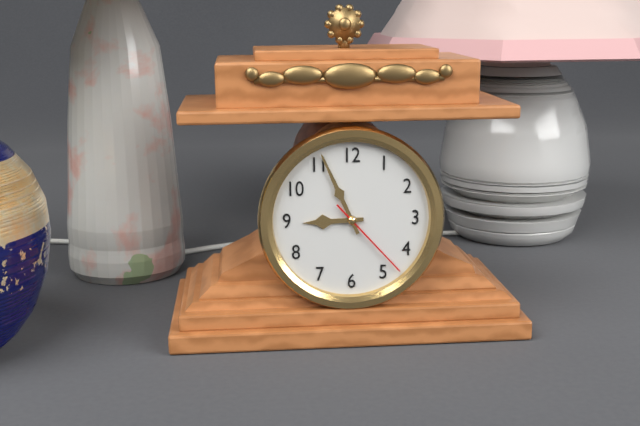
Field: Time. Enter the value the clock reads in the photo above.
8:56:23
